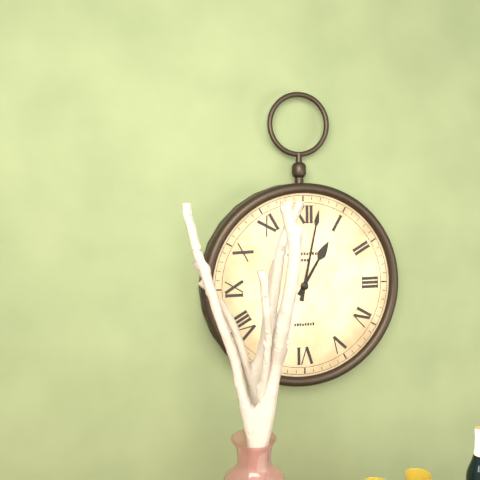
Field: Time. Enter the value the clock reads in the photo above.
1:02
